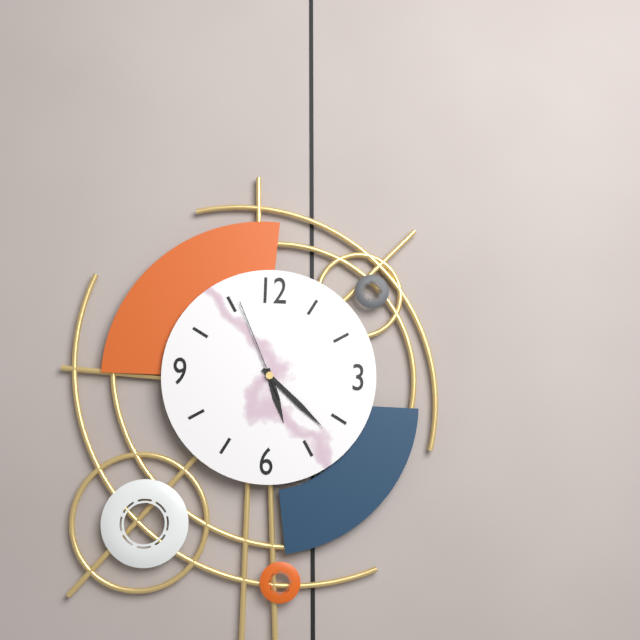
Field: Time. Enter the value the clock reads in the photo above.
5:22:56
